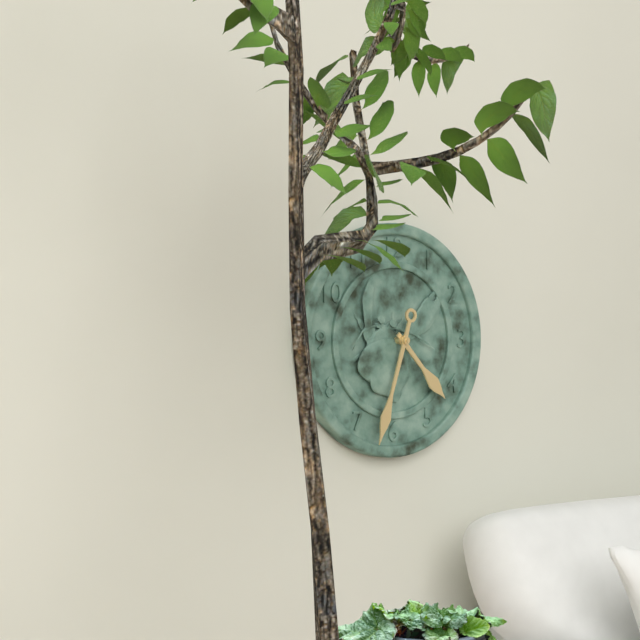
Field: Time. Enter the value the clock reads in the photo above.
4:33
